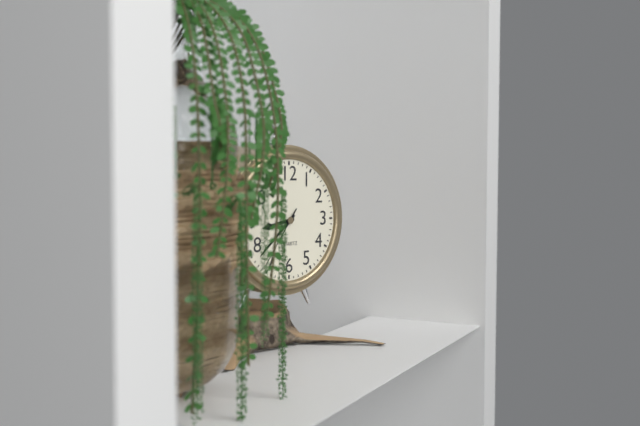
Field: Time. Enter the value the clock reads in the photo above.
8:38:36
